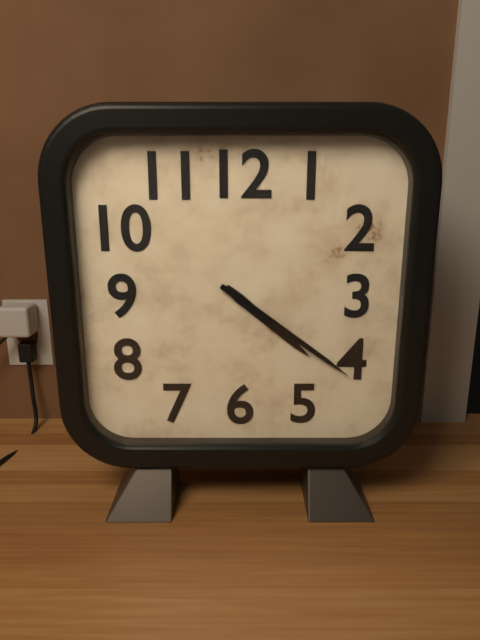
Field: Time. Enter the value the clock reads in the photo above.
4:21
